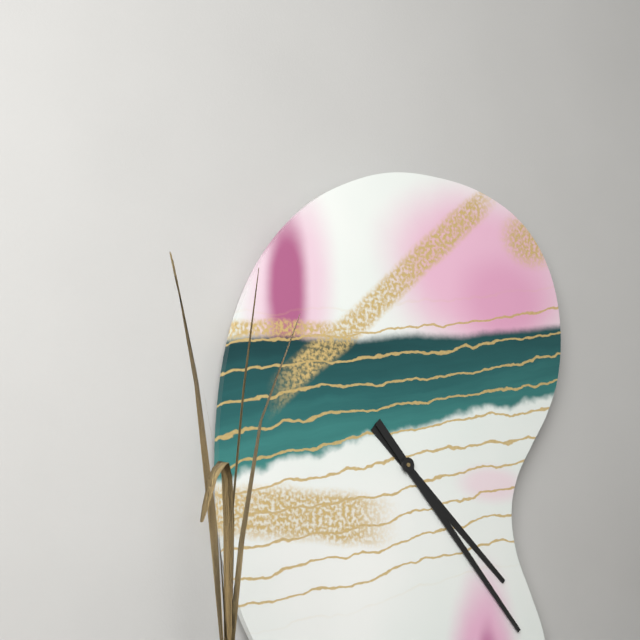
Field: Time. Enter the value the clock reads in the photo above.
4:23
